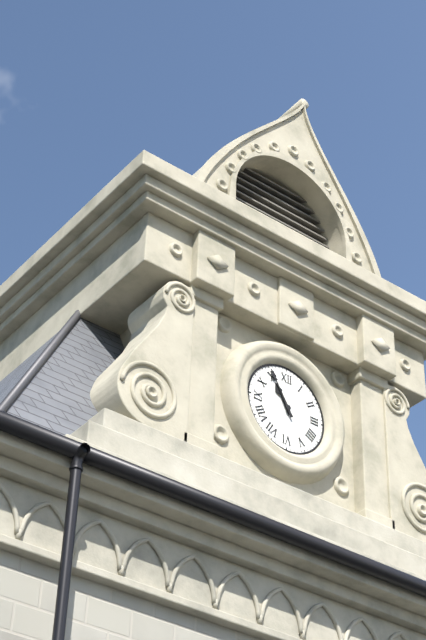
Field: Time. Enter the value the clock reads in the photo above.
10:55
